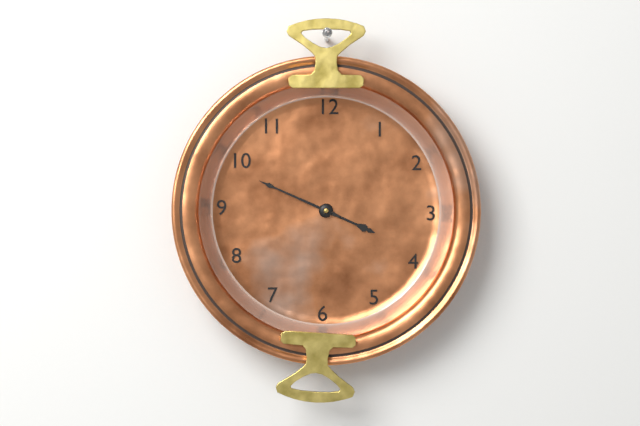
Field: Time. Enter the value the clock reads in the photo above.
3:49
